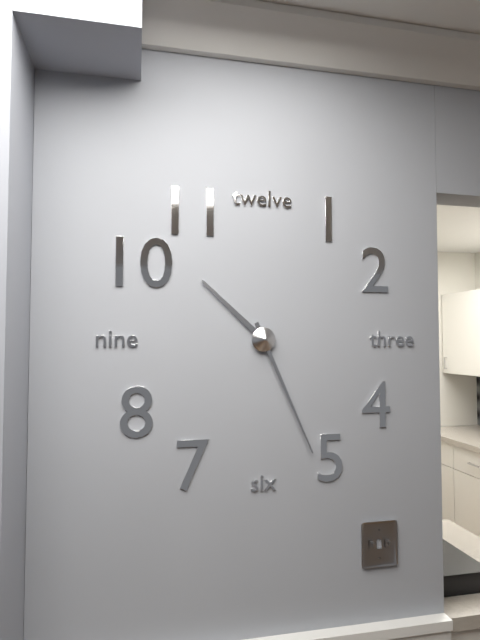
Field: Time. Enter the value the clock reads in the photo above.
10:26
